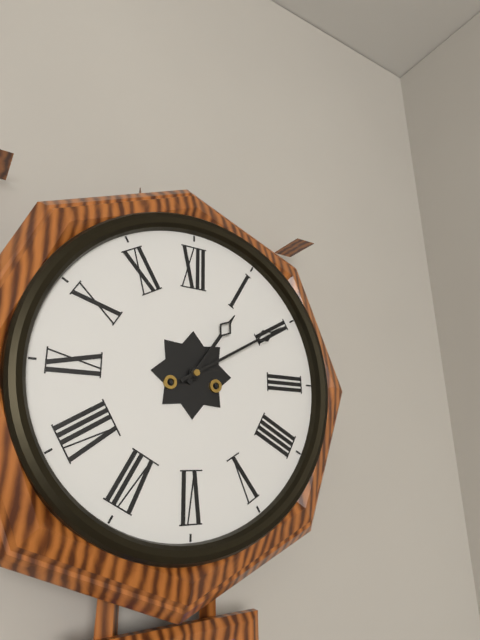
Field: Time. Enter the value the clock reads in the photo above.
1:10
